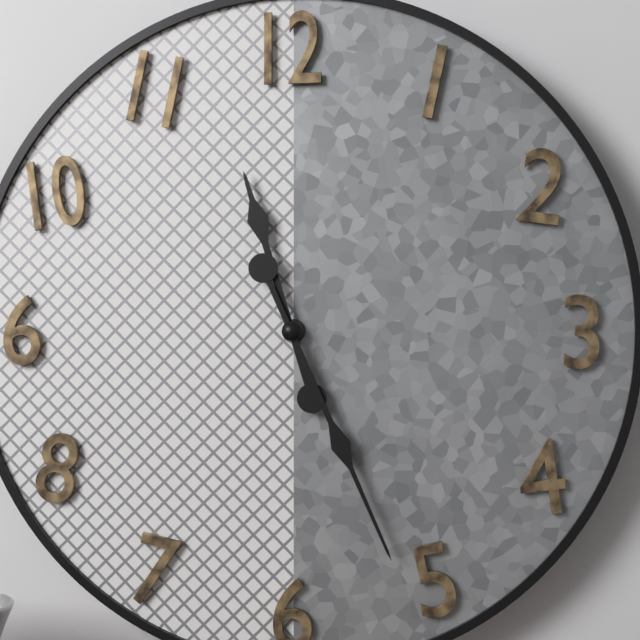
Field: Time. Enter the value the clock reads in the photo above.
11:26
